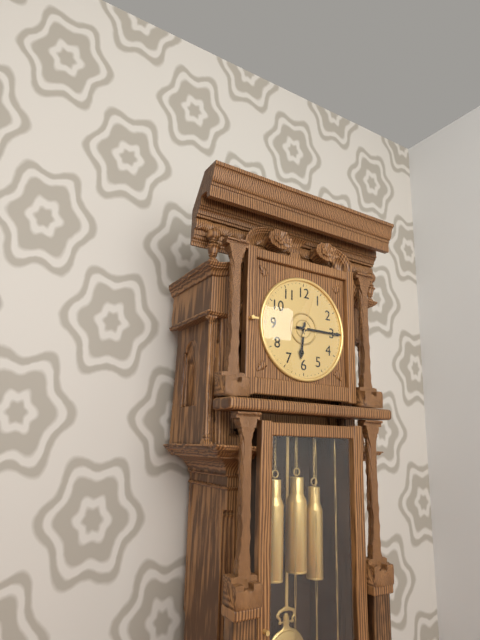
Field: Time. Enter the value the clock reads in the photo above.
6:15
